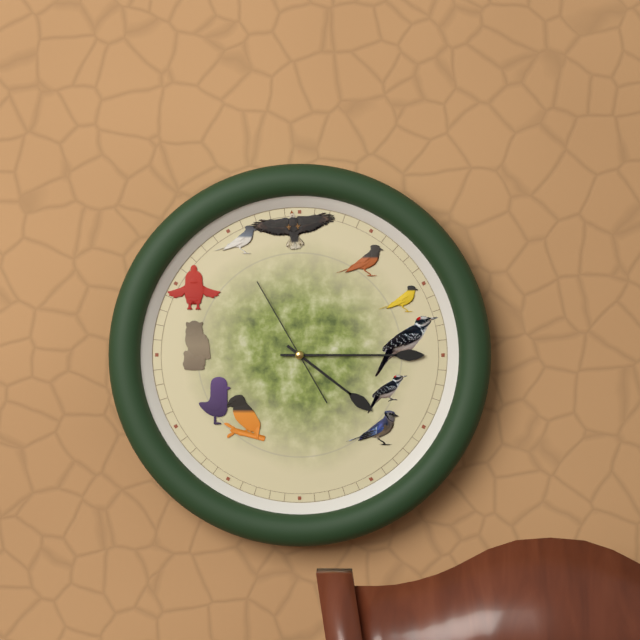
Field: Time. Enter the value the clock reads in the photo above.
4:15:55
